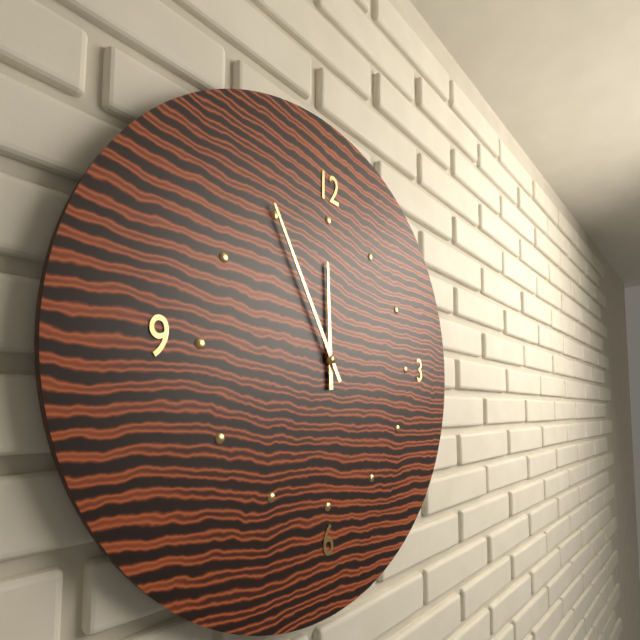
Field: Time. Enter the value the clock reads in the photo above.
11:55
